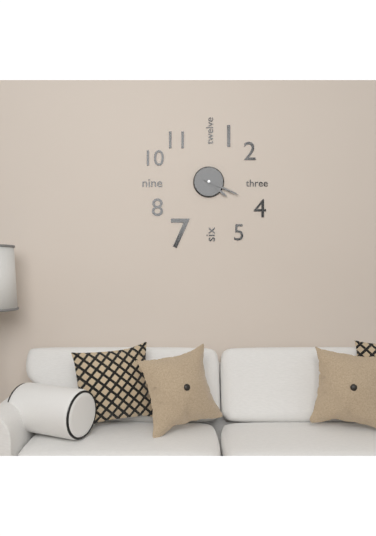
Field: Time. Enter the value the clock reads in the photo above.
4:19
